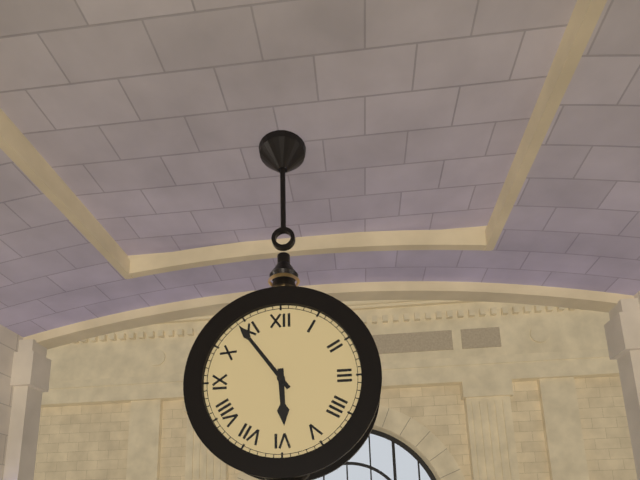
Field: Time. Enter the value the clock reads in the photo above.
5:54
